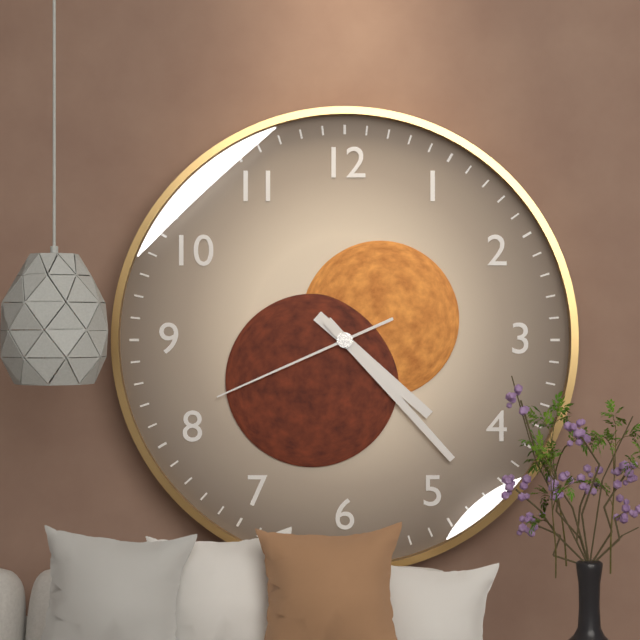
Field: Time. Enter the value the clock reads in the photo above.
4:23:41
